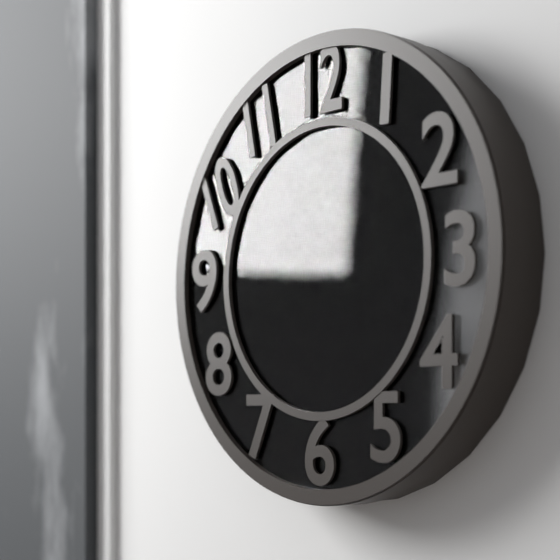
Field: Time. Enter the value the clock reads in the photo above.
6:27
